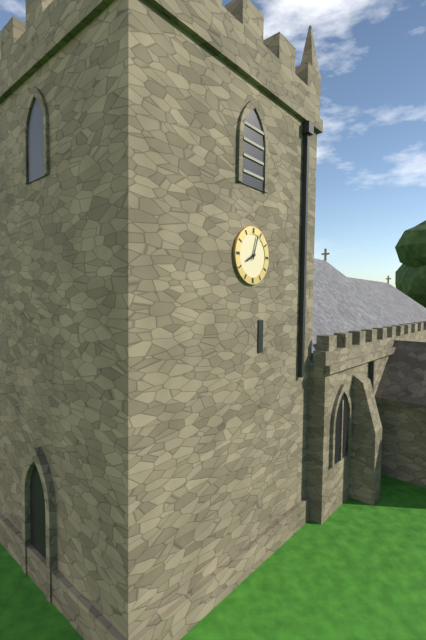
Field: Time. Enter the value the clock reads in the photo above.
8:03
